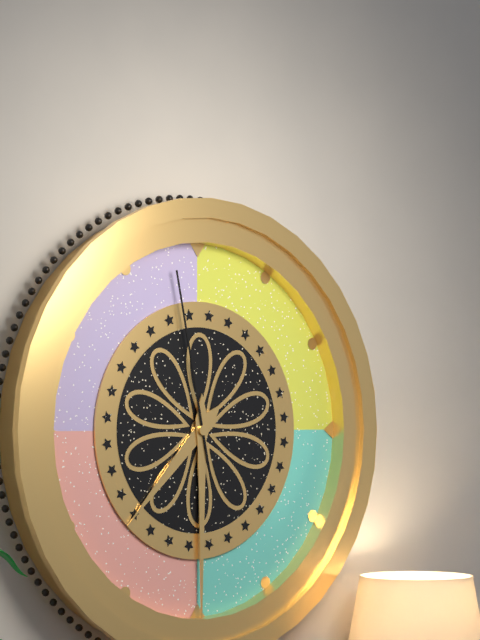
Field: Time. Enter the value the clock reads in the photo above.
7:30:58
